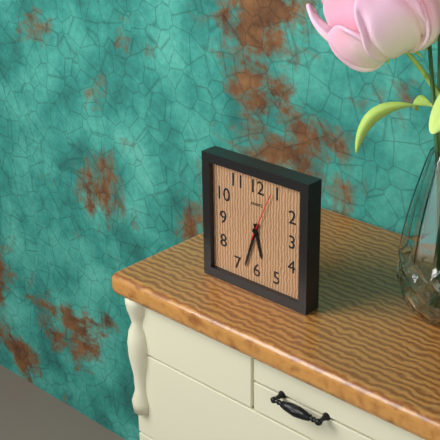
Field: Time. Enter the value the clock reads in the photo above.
5:33
